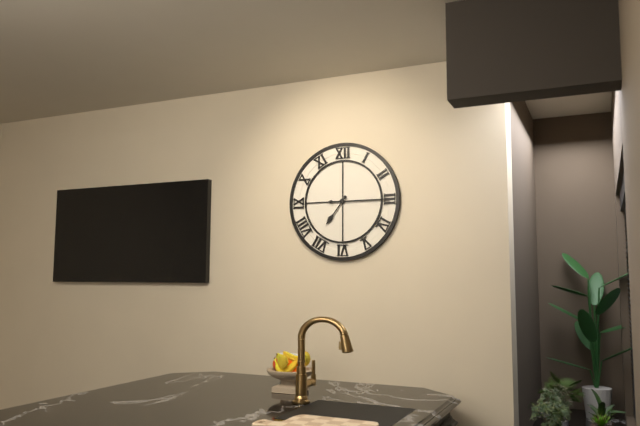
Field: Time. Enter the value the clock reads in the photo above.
7:15
